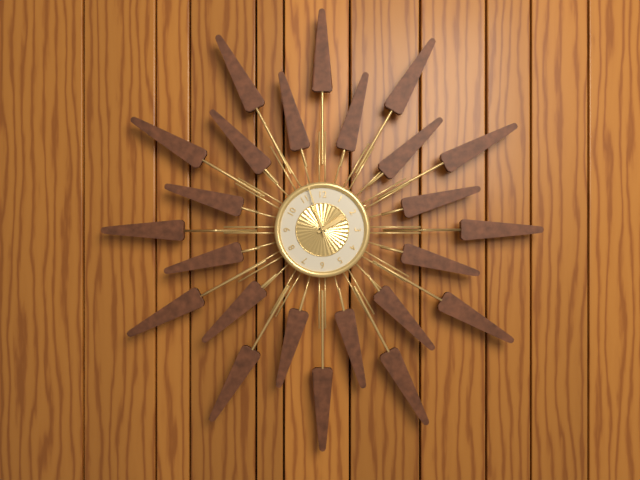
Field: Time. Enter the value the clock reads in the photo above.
1:57
